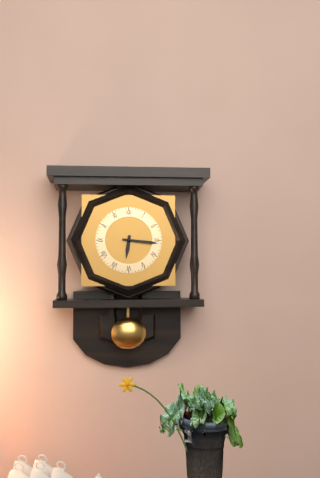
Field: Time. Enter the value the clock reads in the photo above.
6:16
